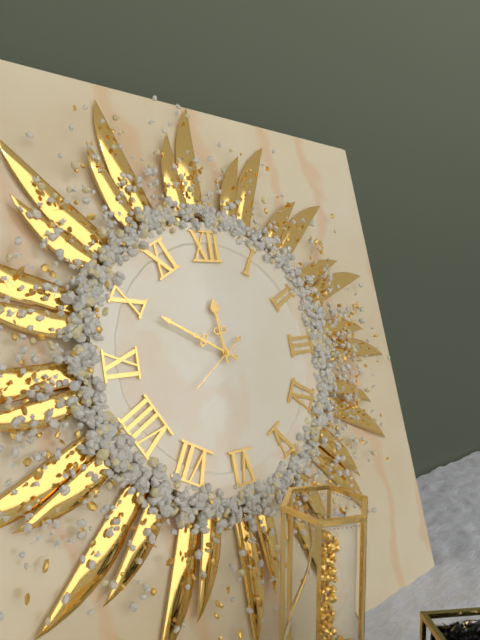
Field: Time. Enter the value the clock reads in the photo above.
11:50:39
